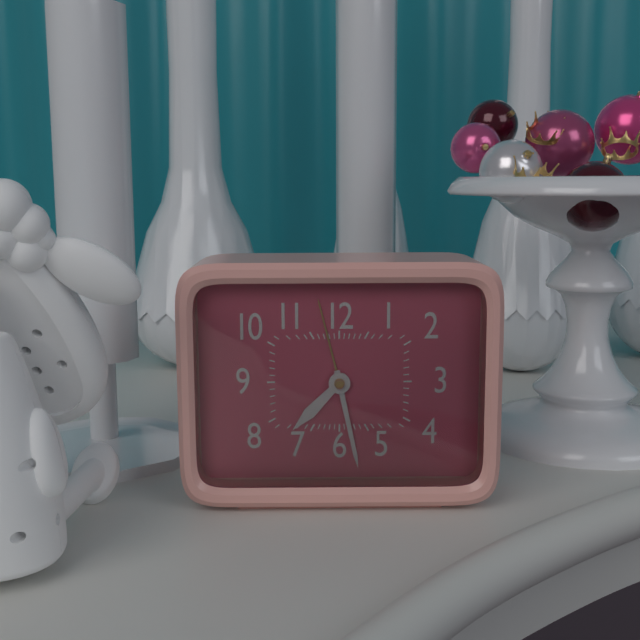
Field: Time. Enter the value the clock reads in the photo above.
7:28
